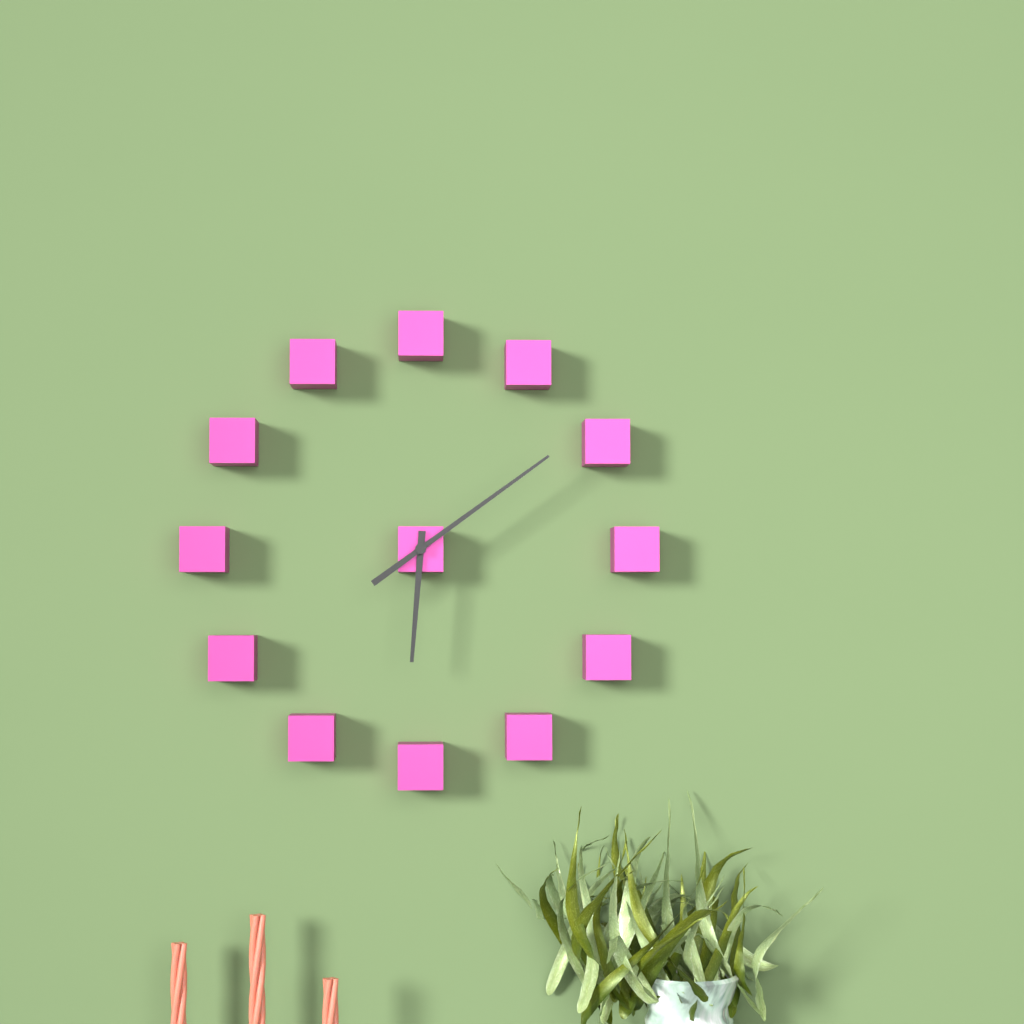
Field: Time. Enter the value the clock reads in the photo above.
6:09
